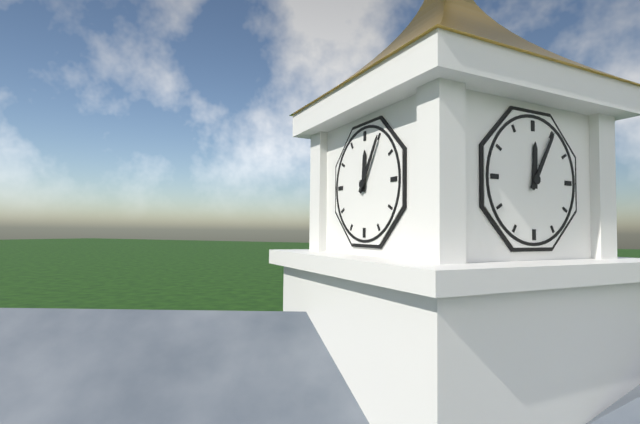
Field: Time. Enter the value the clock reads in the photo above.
12:05
